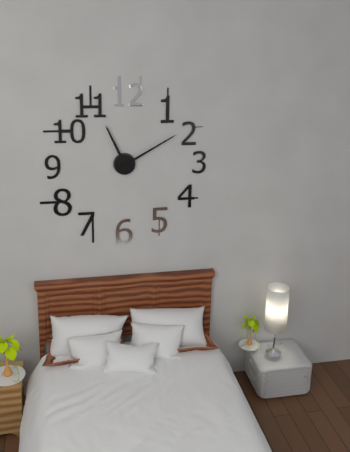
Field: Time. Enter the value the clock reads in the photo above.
11:10
